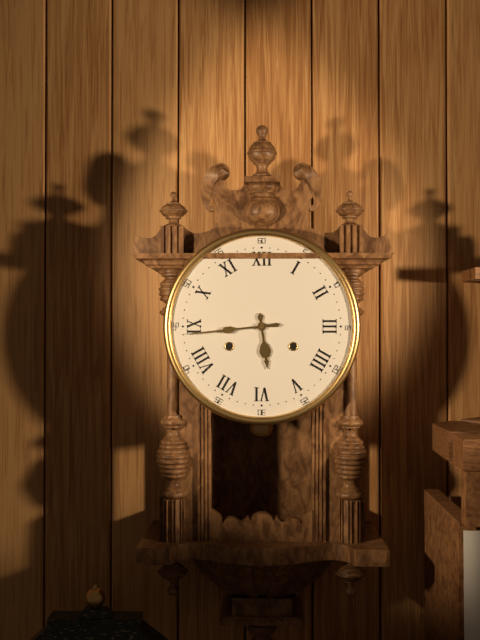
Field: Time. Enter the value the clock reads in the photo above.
5:44
